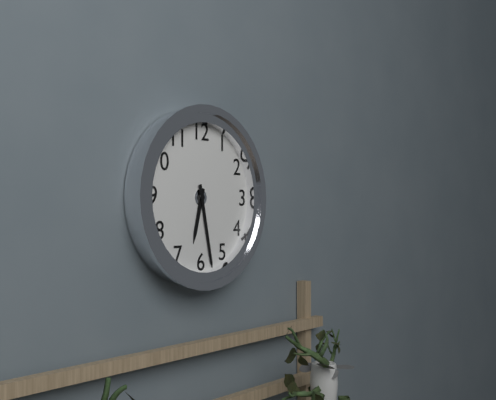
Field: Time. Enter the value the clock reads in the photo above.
6:28
